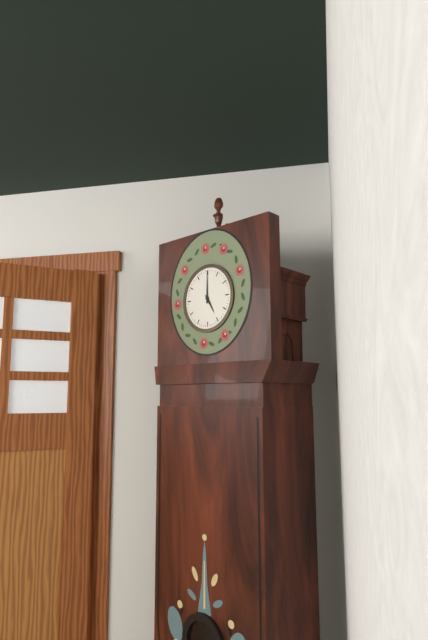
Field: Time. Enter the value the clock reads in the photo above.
5:00
